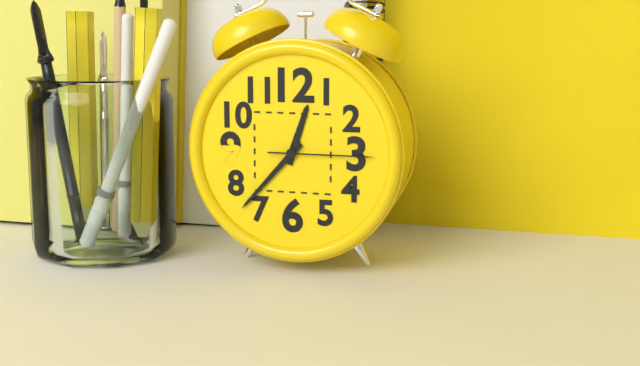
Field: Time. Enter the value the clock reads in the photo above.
12:37:15
